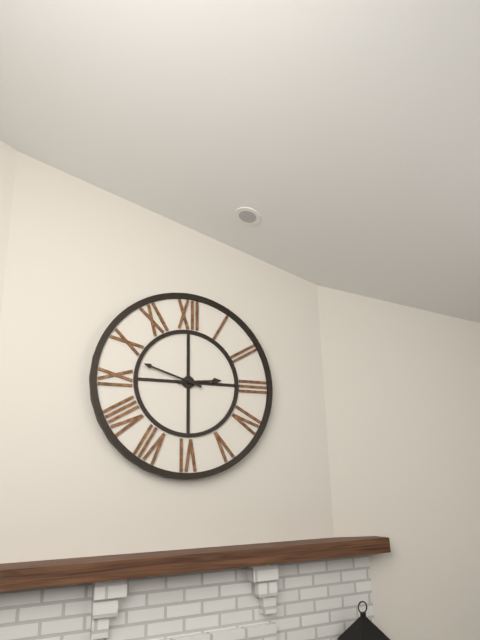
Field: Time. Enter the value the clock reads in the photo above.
2:48
